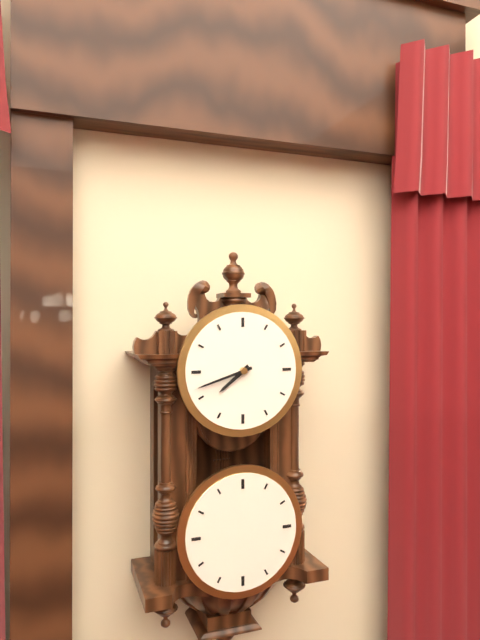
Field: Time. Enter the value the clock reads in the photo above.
7:42
